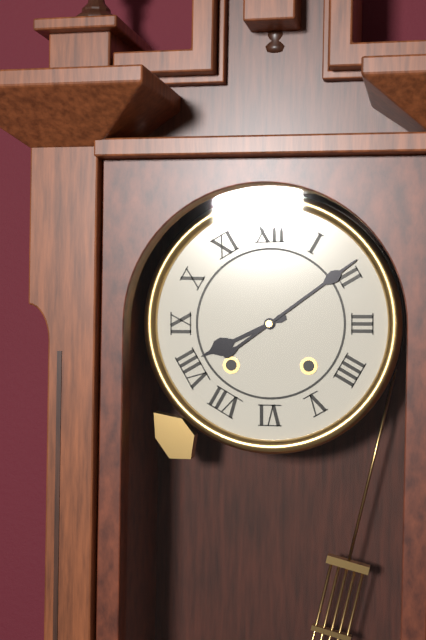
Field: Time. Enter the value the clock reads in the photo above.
8:09
